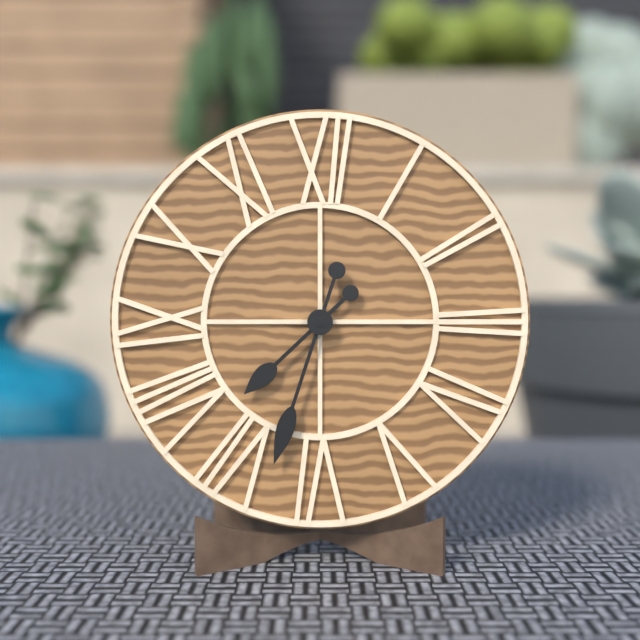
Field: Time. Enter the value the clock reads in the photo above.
7:33
